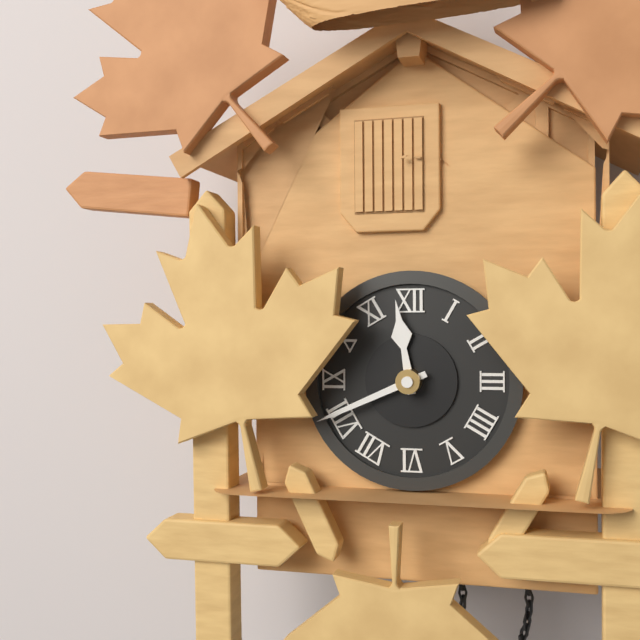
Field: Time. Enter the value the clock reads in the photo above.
11:41
